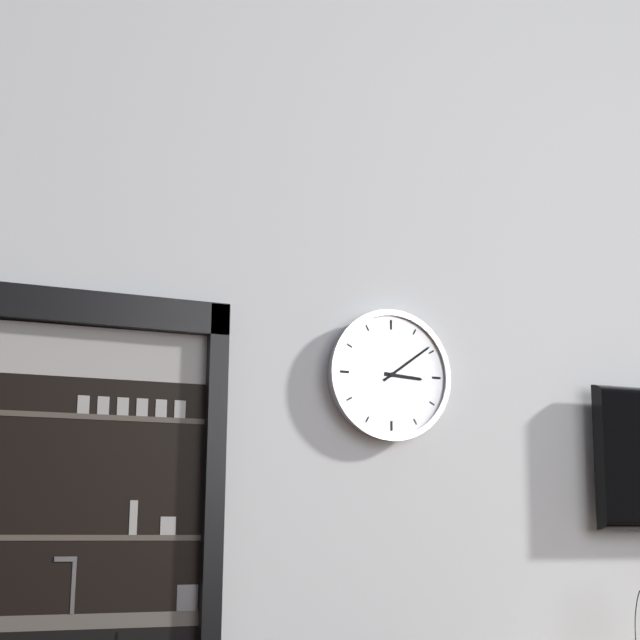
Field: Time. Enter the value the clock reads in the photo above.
3:09
